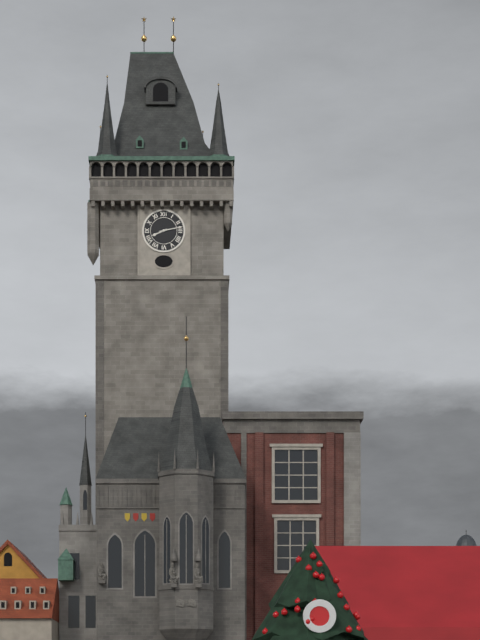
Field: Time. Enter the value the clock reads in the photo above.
8:13
